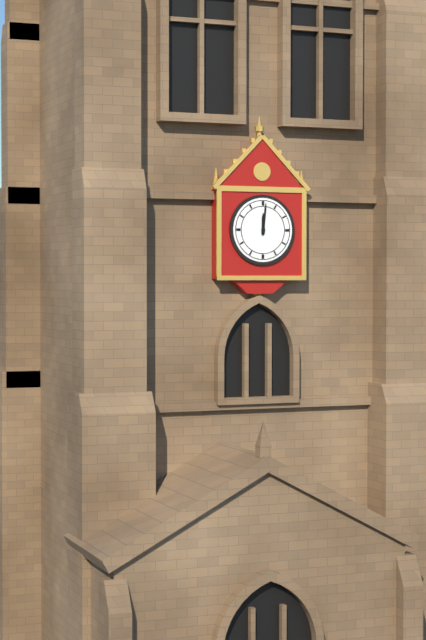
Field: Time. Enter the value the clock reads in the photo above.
12:01
